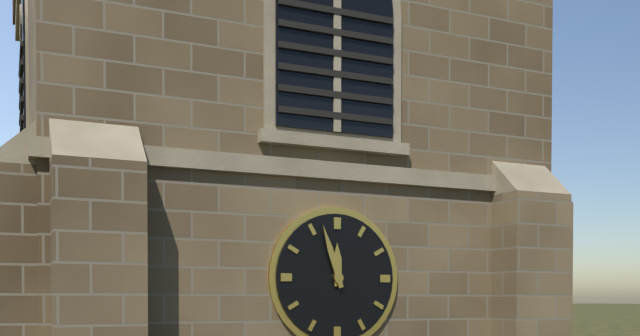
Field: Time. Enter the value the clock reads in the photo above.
11:57
